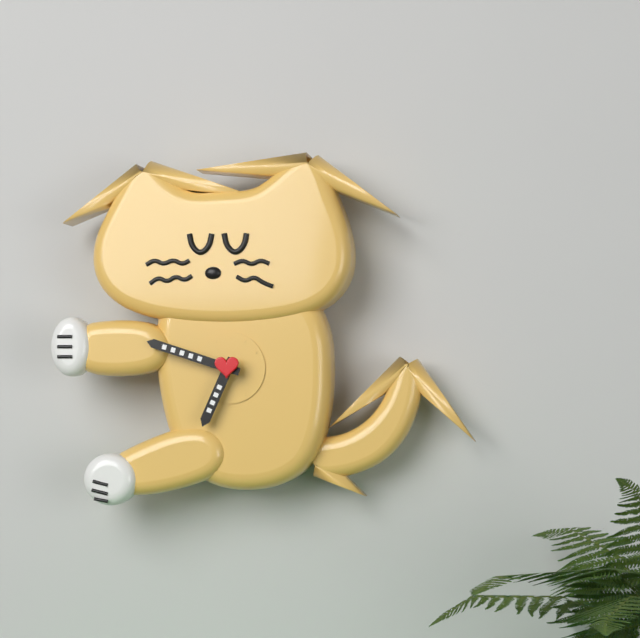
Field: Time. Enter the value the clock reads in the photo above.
6:48
